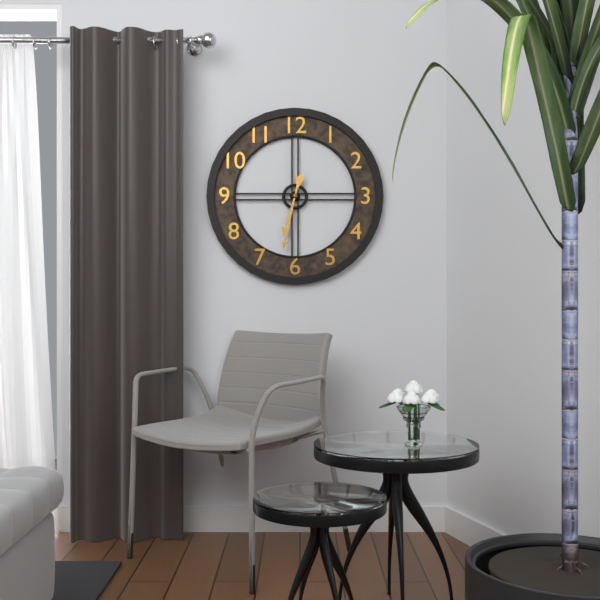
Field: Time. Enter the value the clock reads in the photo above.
6:32
